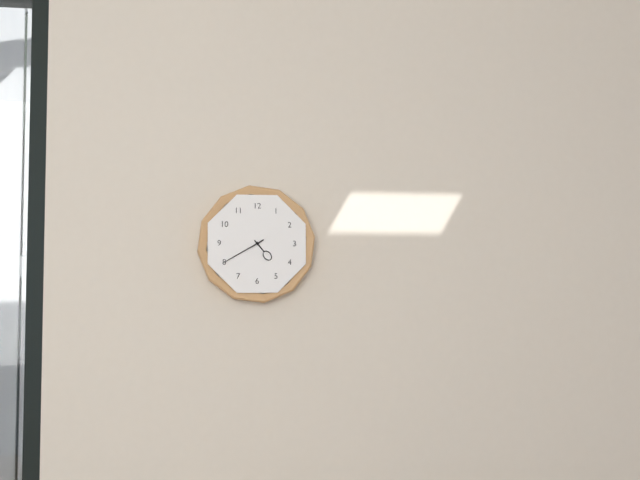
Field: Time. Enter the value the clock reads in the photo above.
4:40
